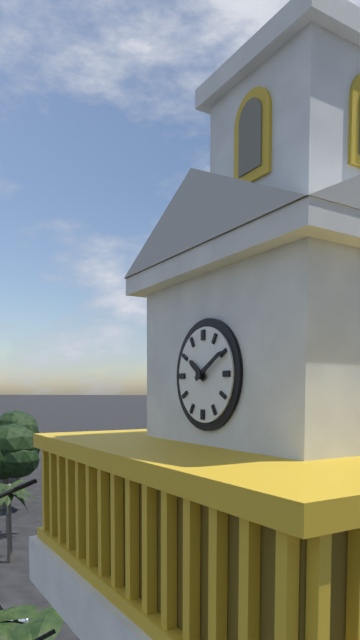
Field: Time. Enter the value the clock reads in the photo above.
10:10
